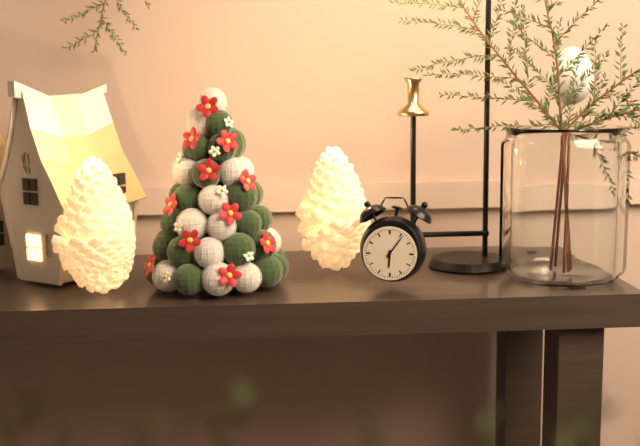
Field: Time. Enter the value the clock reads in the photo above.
6:06
